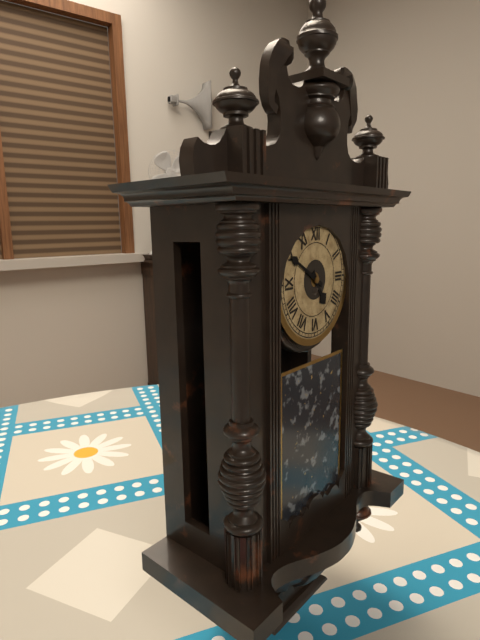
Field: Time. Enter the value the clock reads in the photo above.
4:50
